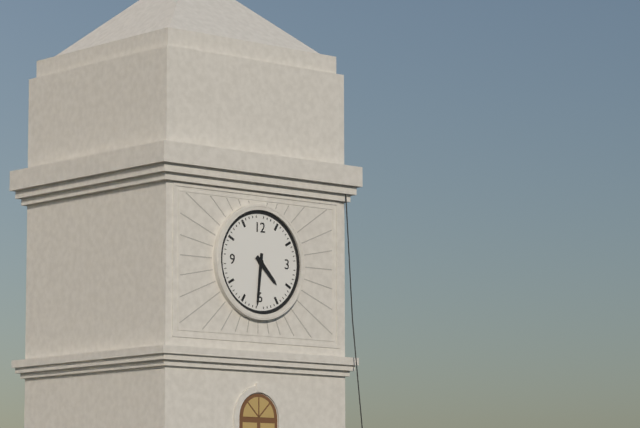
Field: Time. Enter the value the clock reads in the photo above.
4:31
